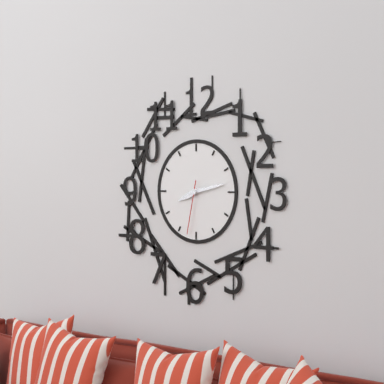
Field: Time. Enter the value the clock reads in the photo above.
8:13:32
